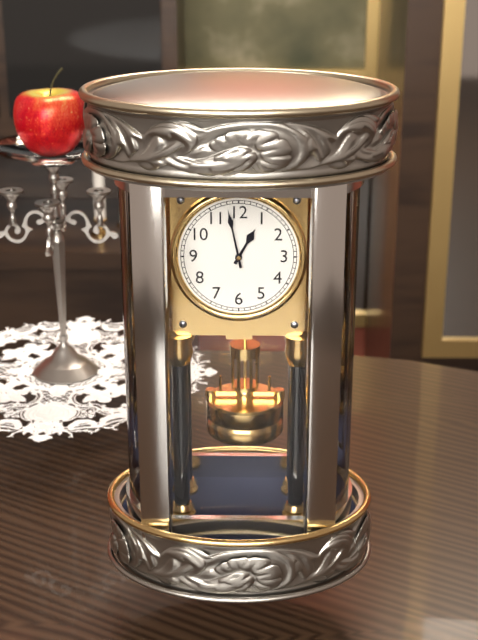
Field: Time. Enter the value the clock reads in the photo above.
12:58
